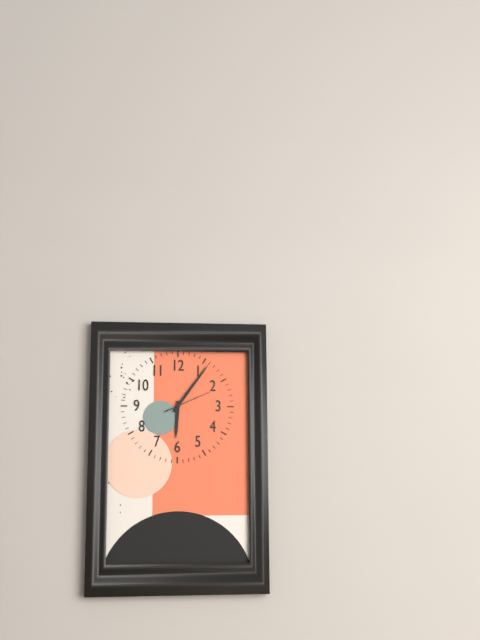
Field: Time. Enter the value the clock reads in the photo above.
6:06
